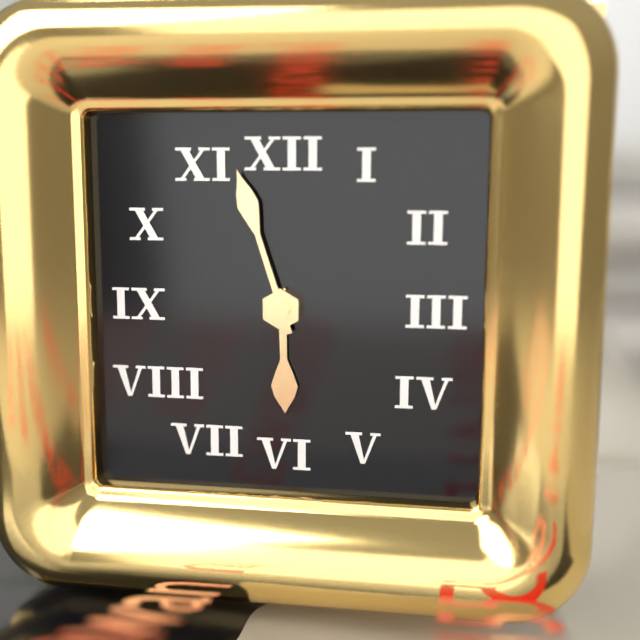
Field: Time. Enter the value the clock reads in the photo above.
5:57
